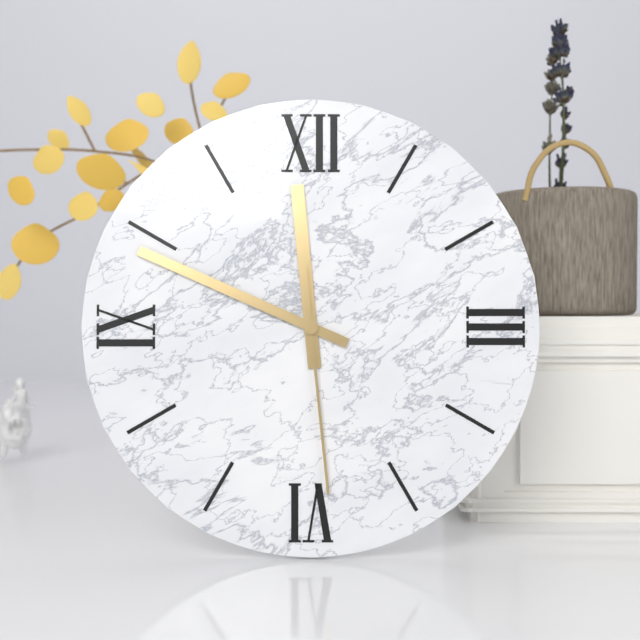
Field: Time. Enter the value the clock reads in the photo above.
11:49:29
